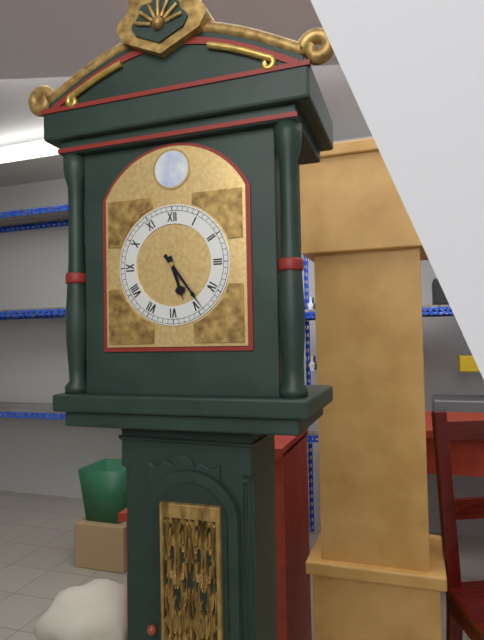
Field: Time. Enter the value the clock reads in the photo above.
5:24
